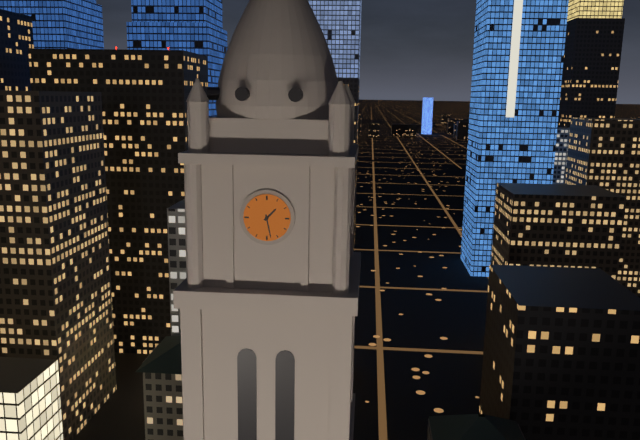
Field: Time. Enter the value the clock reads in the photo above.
1:28
